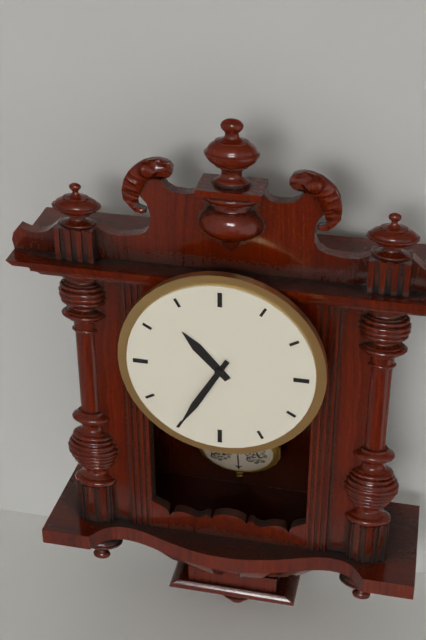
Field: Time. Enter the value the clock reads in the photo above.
10:35
